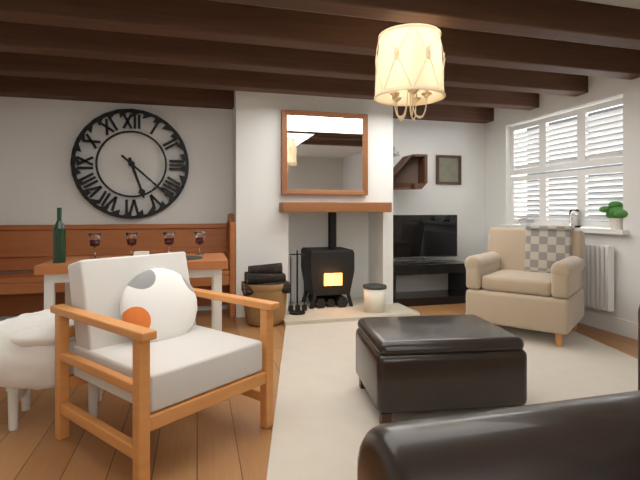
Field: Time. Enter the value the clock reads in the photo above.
5:22
